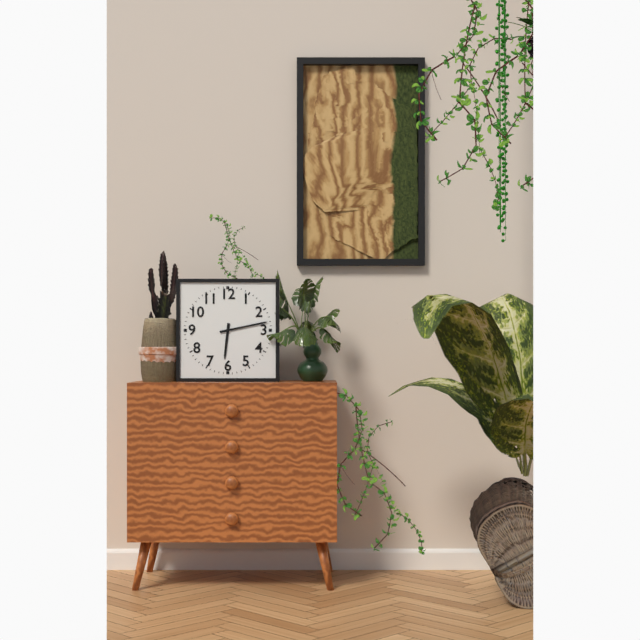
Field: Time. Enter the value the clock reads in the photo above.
6:13
